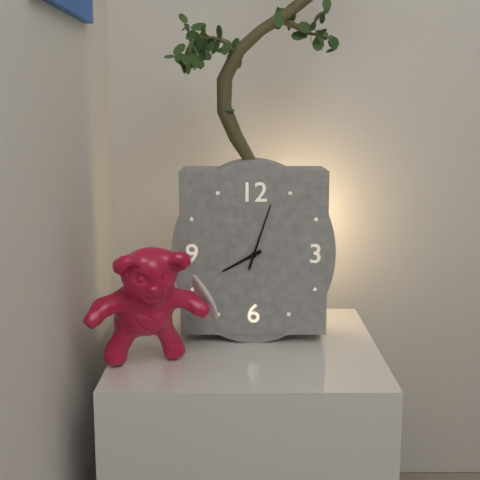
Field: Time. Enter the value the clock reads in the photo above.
8:03
